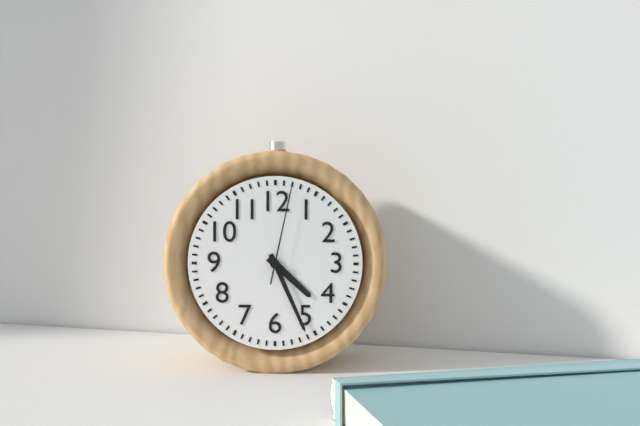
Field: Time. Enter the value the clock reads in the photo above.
4:26:02
